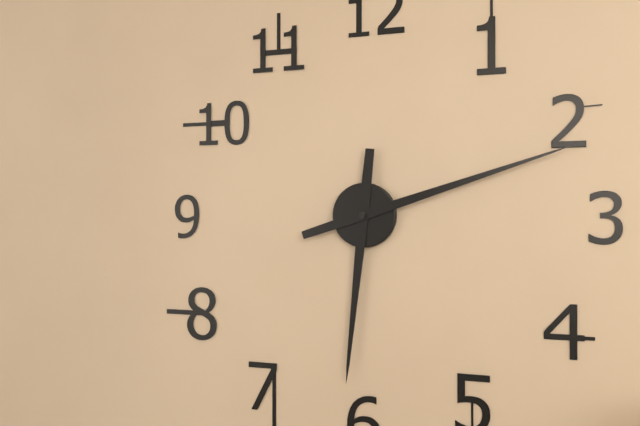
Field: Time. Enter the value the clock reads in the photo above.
6:12
